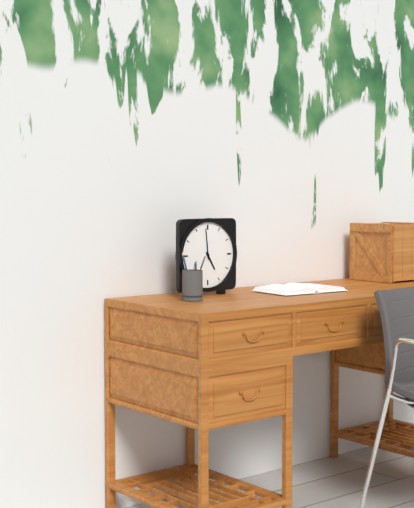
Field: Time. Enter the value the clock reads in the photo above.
4:59
